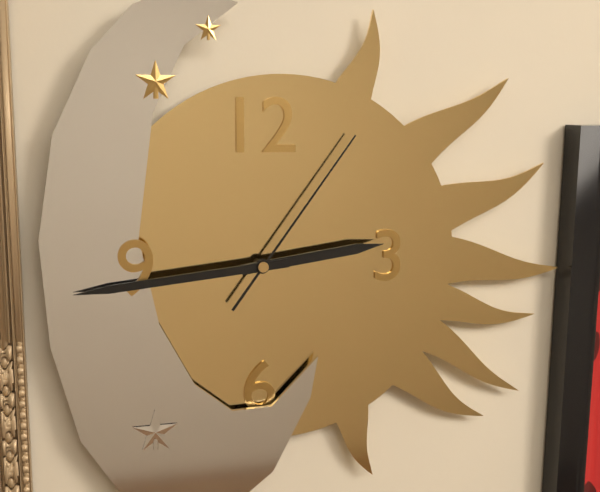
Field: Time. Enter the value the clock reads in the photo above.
2:44:06
